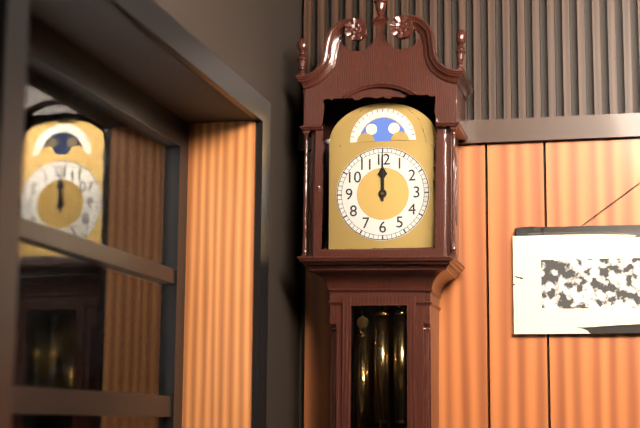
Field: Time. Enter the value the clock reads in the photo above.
12:00
